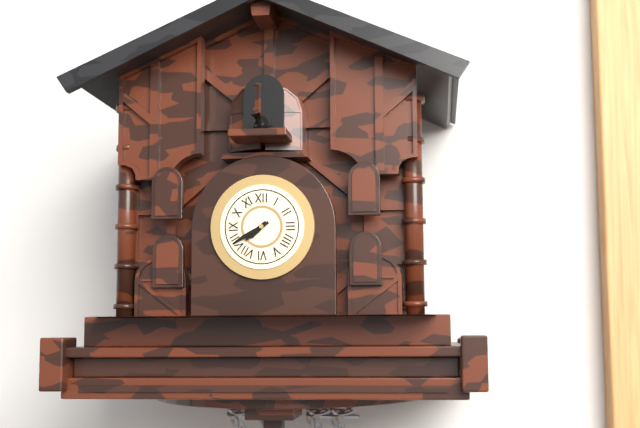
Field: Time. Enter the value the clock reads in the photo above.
7:40
